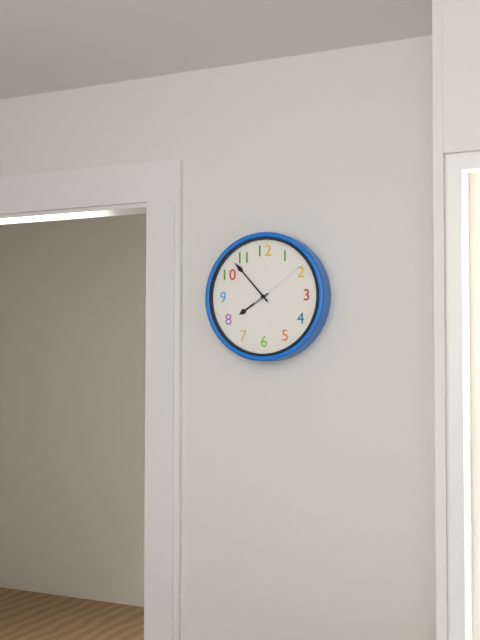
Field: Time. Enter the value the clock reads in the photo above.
7:53:09
